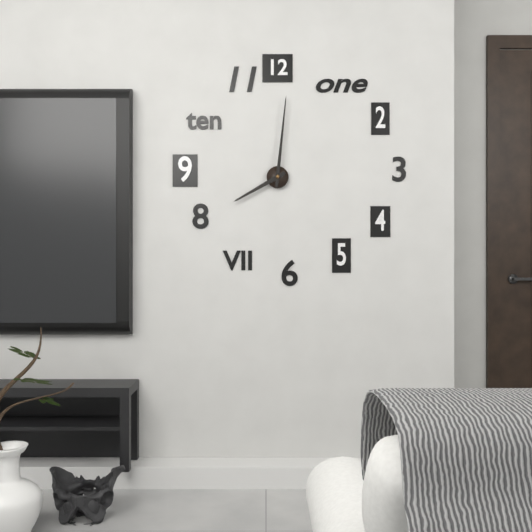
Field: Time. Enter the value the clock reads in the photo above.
8:01
